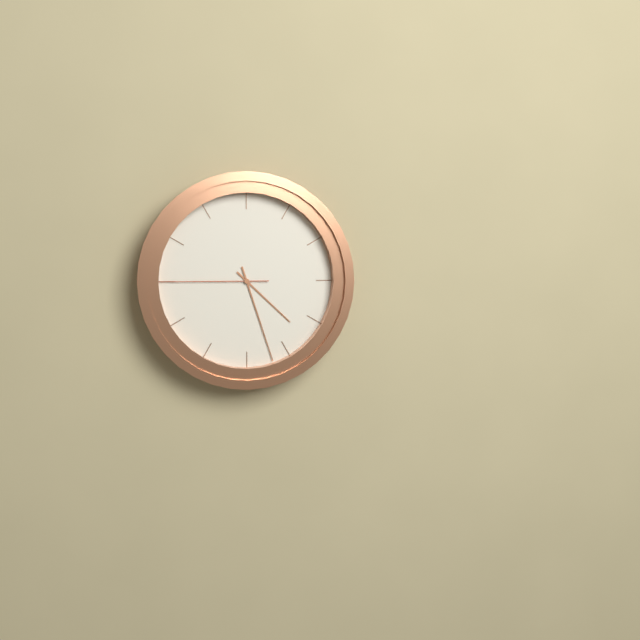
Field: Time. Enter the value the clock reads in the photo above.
4:27:45
